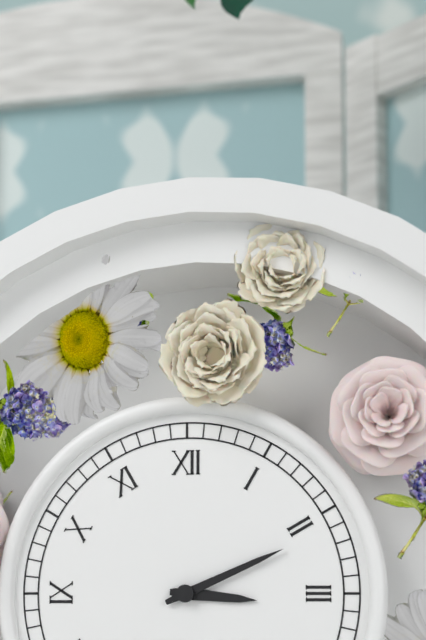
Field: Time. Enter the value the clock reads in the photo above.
3:11
